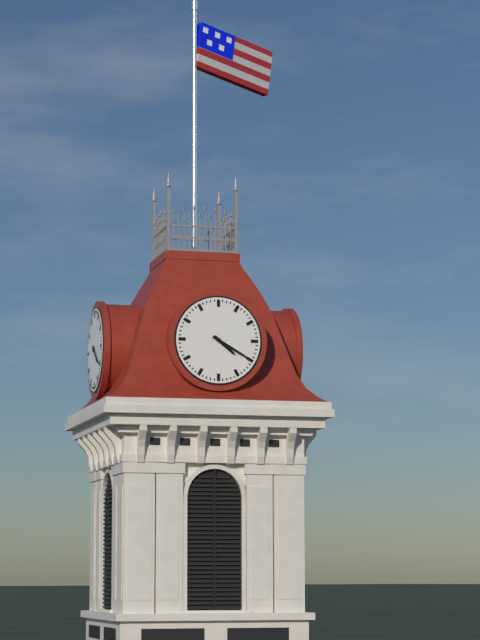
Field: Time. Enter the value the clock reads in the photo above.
4:20
